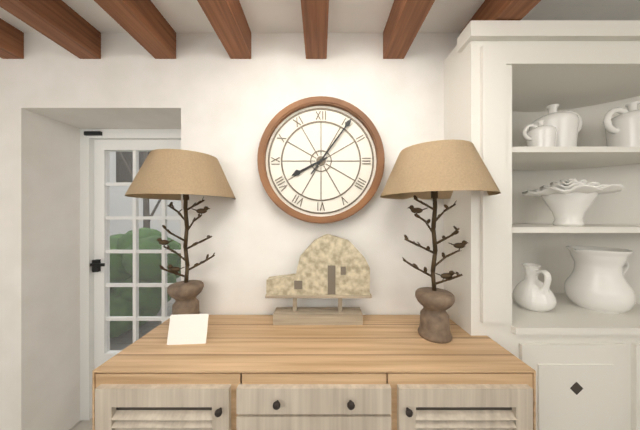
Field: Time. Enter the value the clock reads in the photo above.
8:06
